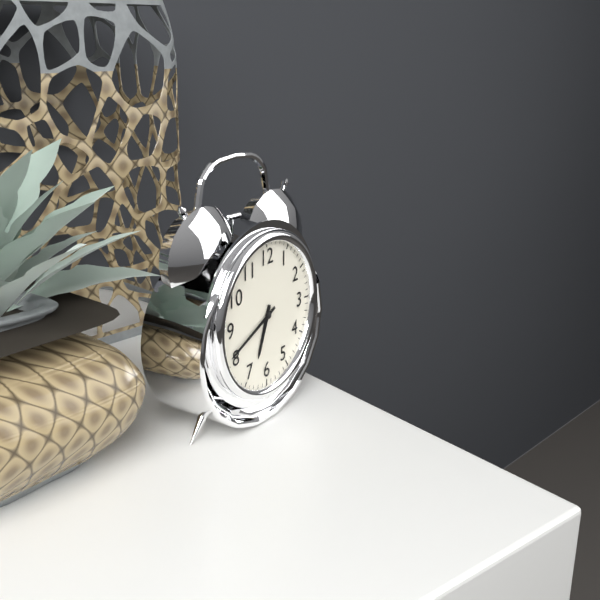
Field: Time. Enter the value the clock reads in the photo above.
6:41
